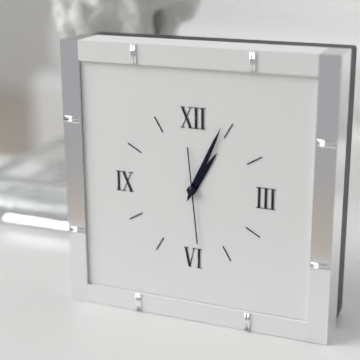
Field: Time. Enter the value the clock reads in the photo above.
1:04:29
